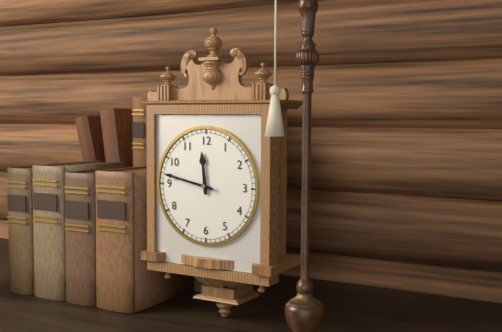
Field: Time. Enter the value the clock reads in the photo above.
11:47
